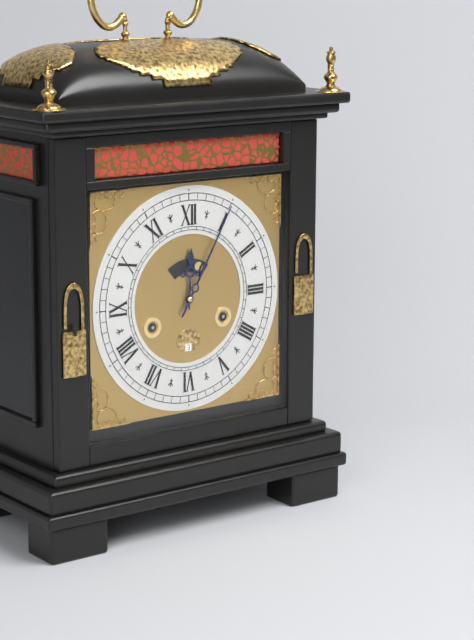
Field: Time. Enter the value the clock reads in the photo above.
12:05
